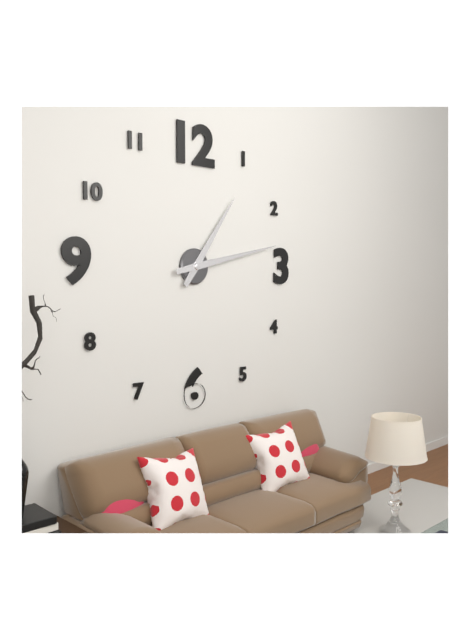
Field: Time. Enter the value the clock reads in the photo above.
1:13
